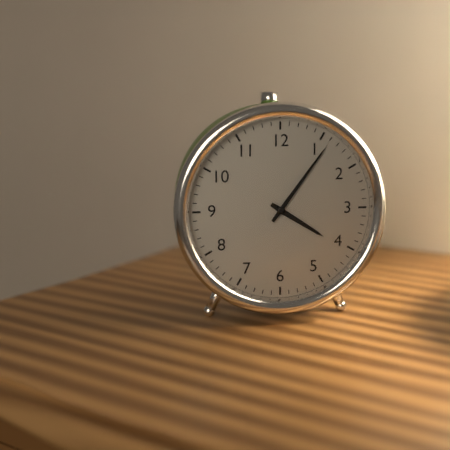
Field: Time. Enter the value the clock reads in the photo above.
4:06
